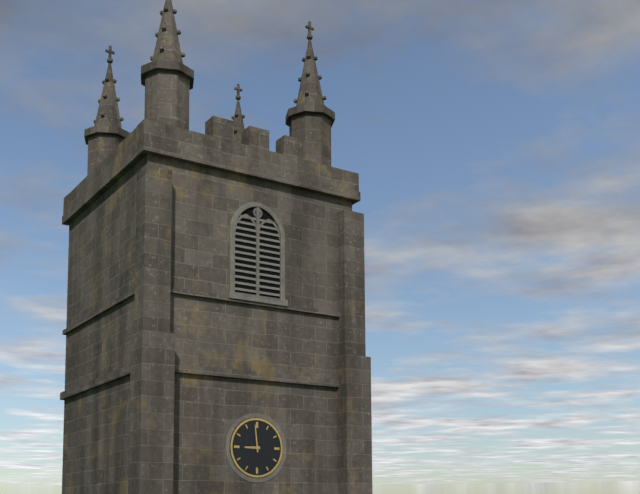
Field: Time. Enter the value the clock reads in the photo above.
8:59
